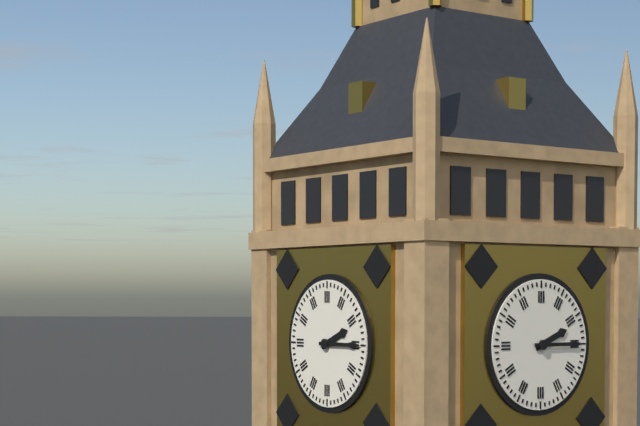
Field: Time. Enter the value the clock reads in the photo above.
2:15
